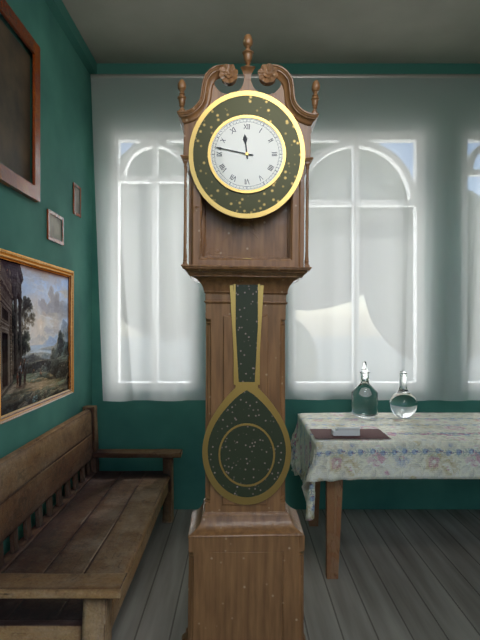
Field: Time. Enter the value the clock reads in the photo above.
11:47
